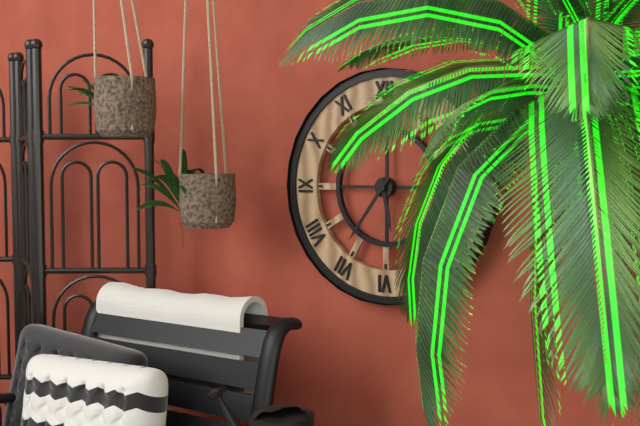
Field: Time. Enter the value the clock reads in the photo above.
5:36
